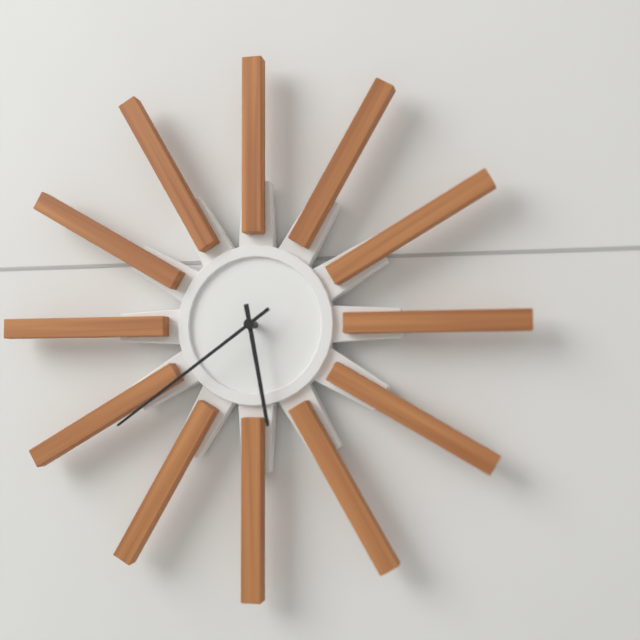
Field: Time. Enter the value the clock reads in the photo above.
5:39
